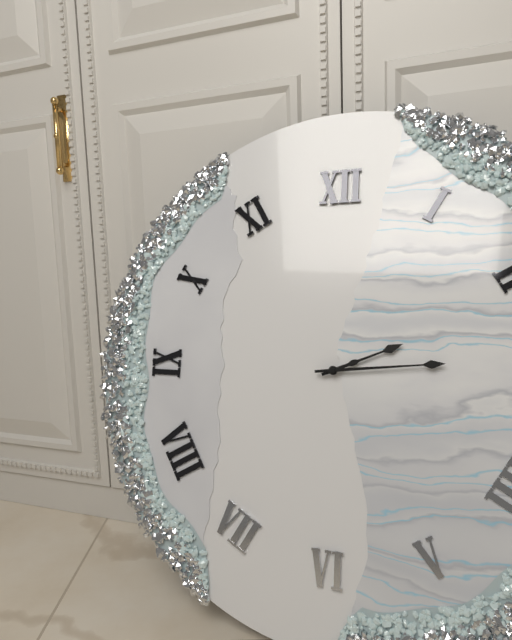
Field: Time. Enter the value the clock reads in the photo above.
2:14
